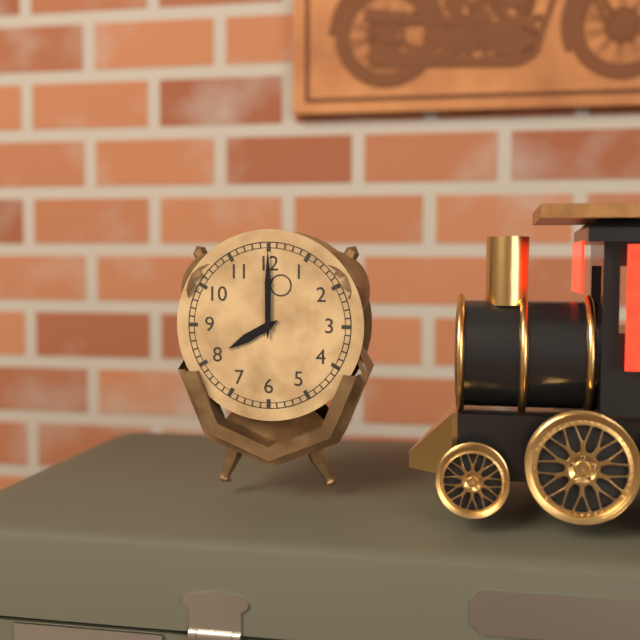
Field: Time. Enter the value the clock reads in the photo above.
8:00
